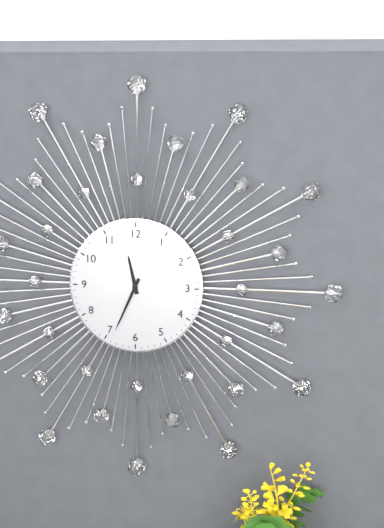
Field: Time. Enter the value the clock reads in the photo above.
11:34
